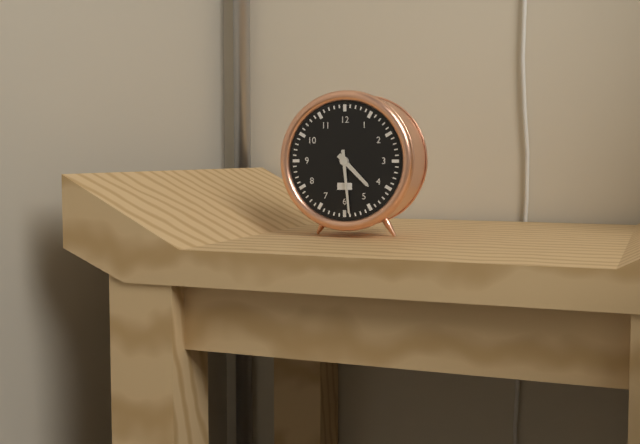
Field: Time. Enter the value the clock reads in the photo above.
4:29
